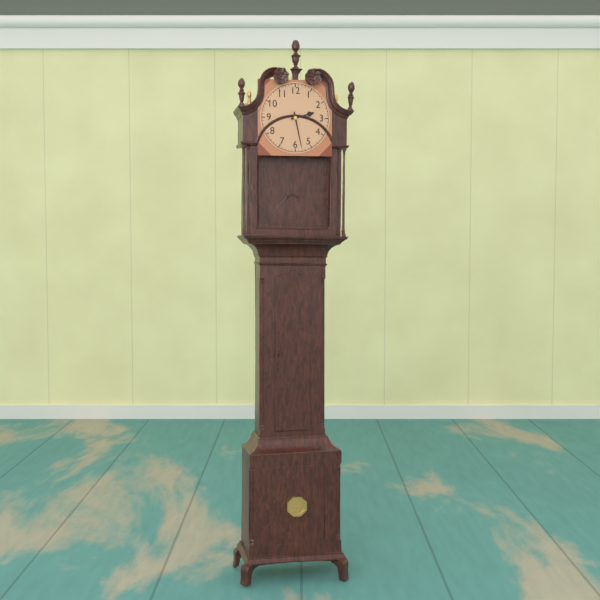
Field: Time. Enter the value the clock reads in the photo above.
2:28
